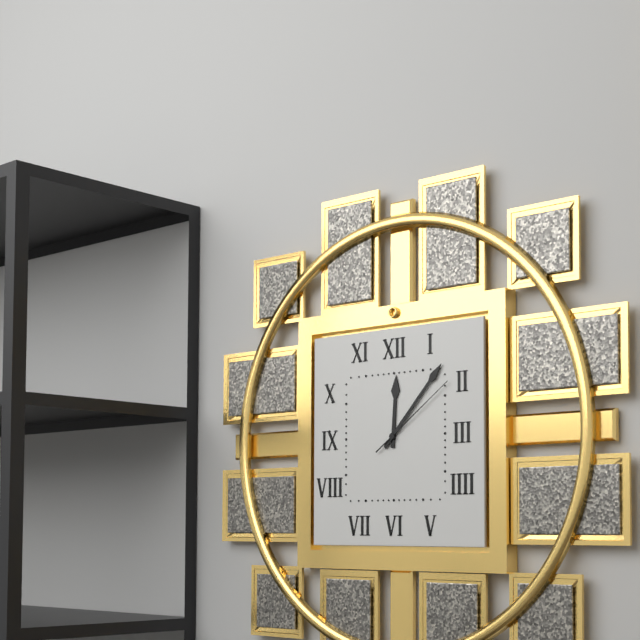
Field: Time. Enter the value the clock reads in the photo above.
12:07:09
